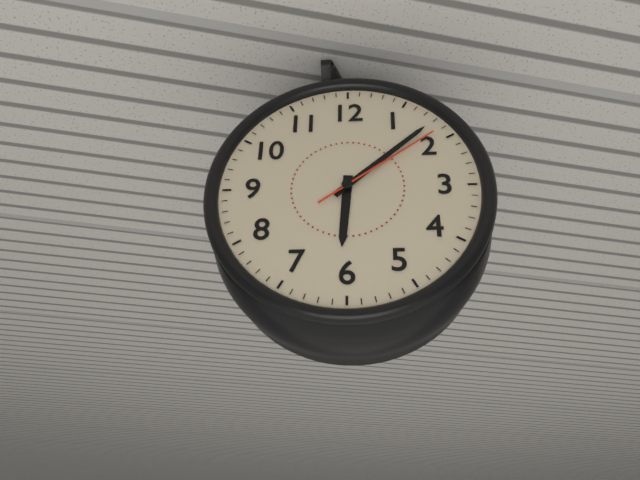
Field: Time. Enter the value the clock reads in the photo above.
6:08:09
